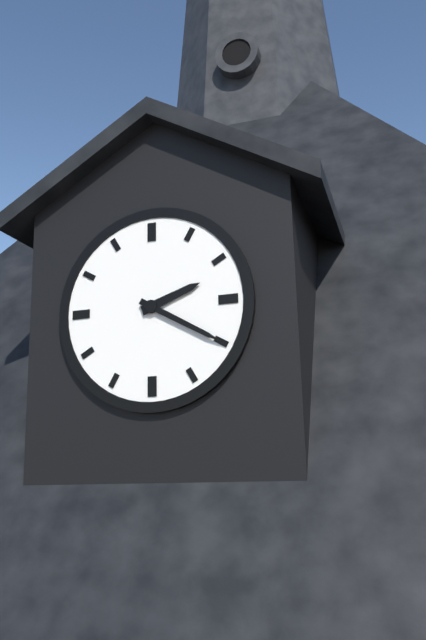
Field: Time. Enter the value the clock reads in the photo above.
2:20
